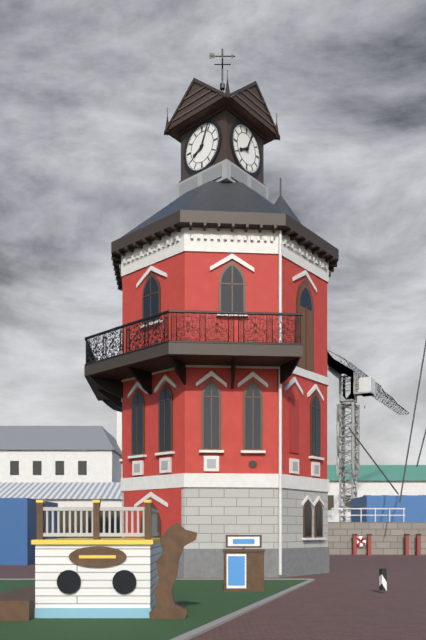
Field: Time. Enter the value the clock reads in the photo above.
8:04
